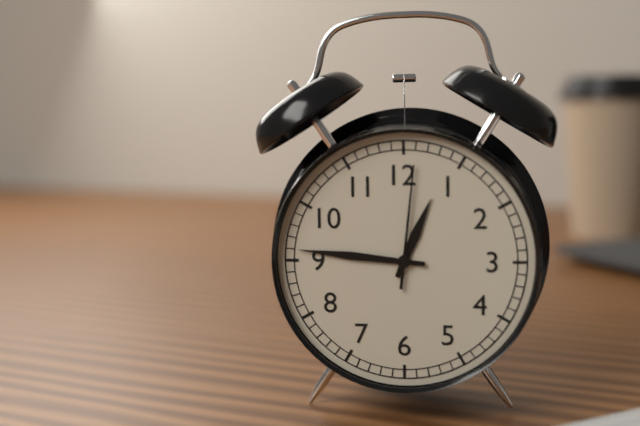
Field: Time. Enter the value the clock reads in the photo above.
12:46:01
